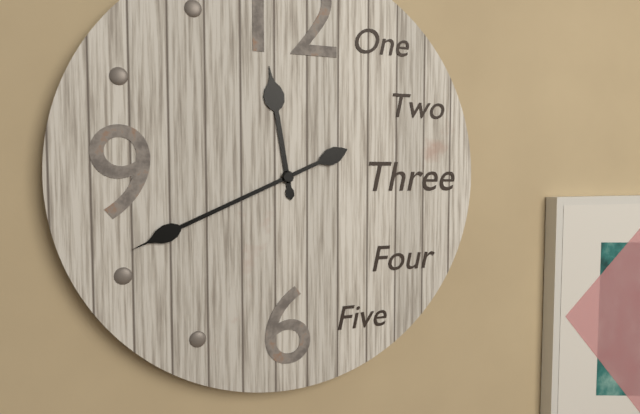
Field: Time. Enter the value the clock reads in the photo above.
11:41
